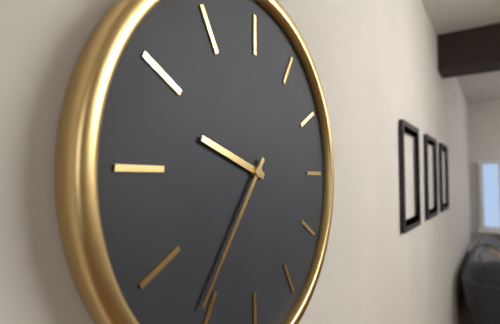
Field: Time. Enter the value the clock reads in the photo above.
9:36
